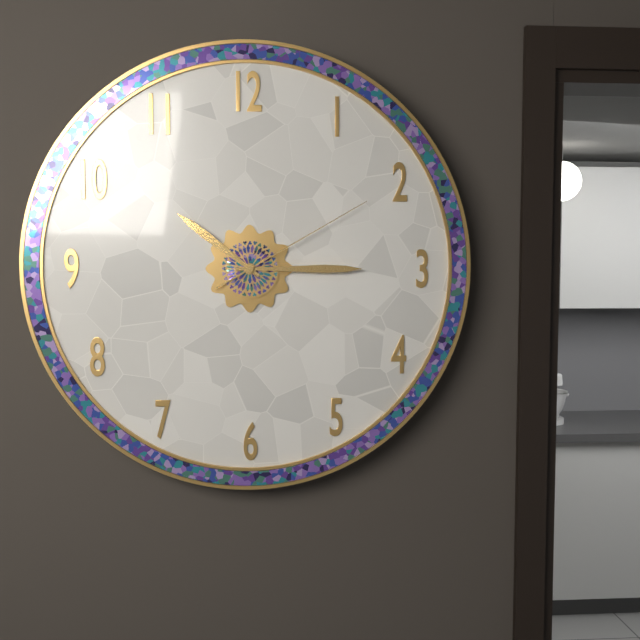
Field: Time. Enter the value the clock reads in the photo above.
10:15:10
